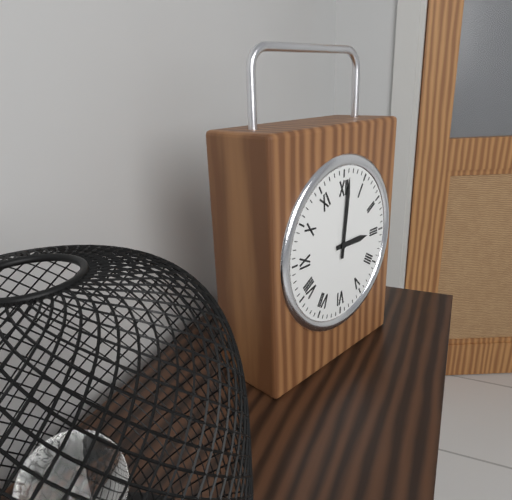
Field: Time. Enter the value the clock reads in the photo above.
3:01
